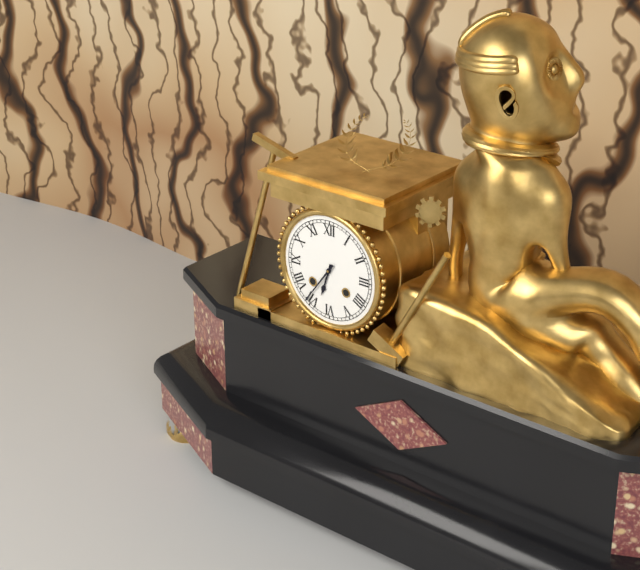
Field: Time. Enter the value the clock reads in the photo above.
6:36
